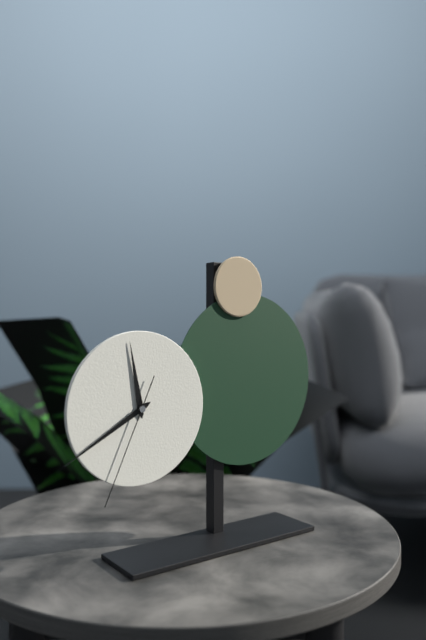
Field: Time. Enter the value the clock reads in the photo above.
11:40:34
